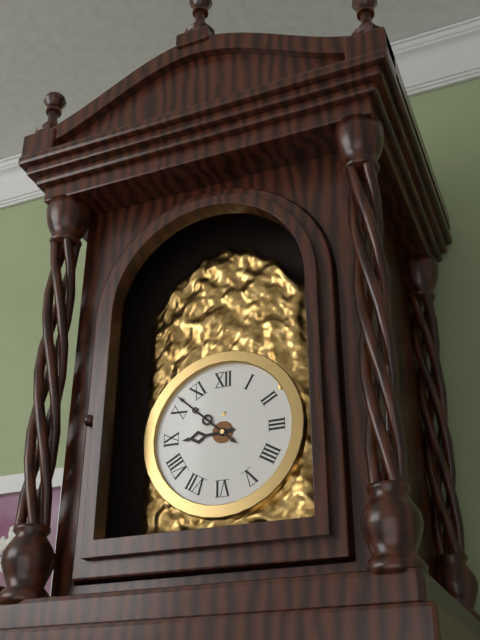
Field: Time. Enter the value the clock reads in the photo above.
8:52
